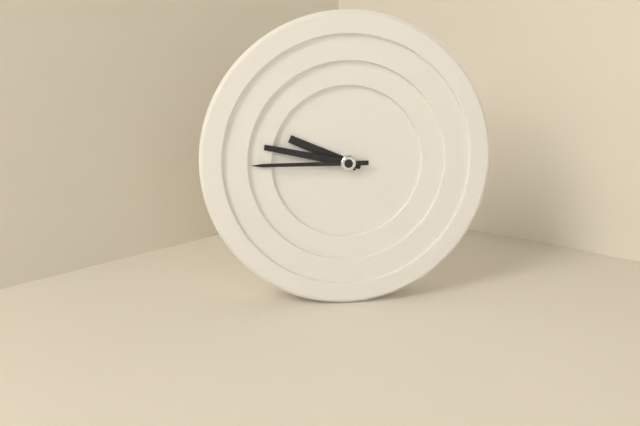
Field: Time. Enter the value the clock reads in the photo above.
9:47:45
